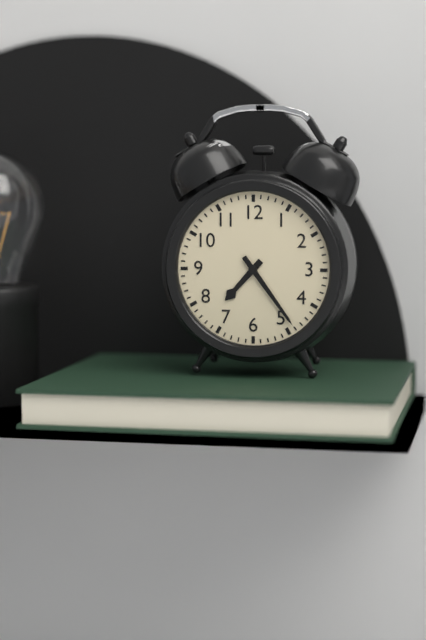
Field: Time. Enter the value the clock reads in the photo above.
7:24
